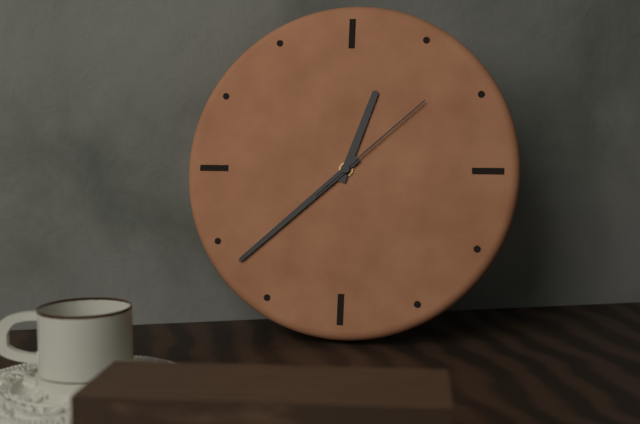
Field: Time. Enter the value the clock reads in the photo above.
12:38:08
